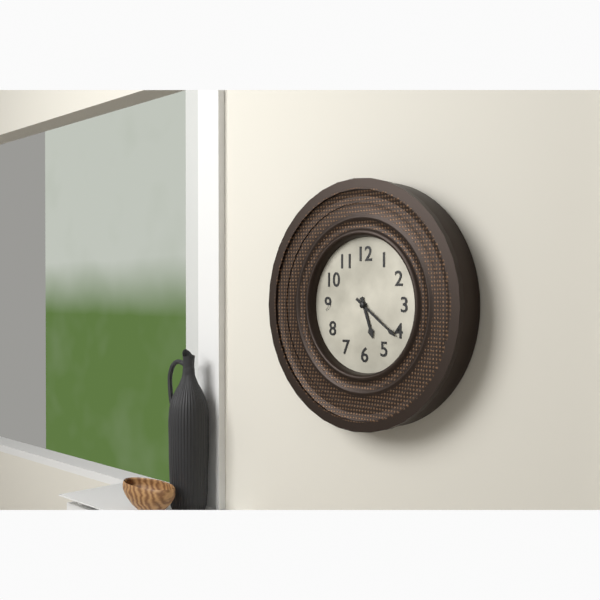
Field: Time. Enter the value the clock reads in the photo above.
5:21
